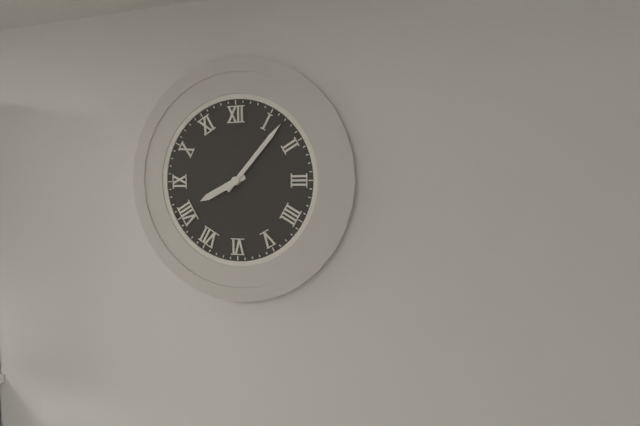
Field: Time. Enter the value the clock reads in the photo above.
8:07
